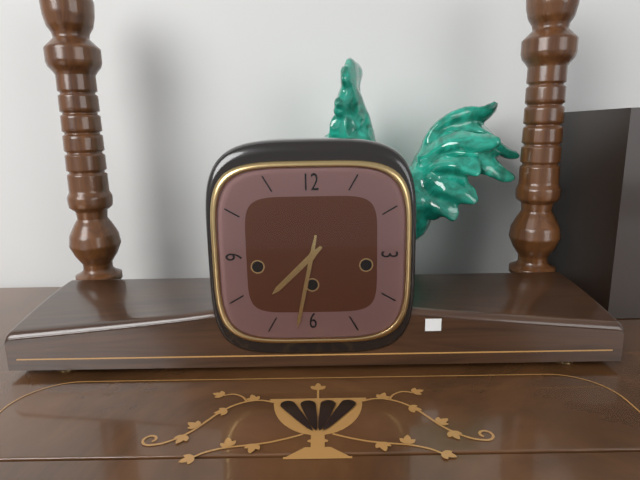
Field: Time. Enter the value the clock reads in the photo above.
7:32
